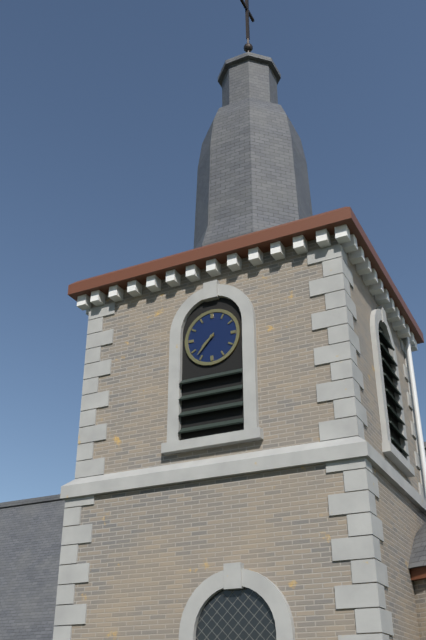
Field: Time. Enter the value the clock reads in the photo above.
7:37
